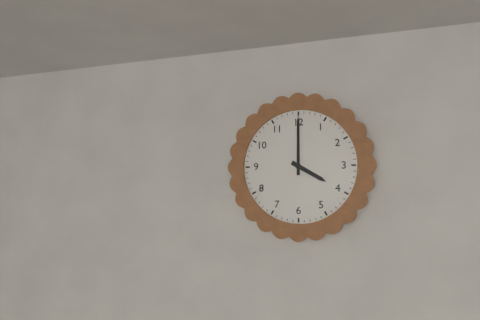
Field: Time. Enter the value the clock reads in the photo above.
4:00
